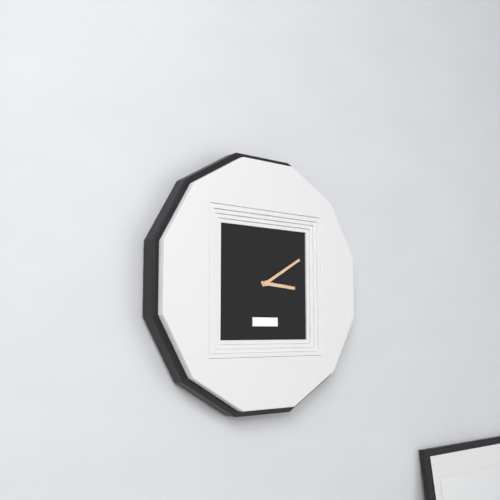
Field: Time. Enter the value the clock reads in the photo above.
3:10
